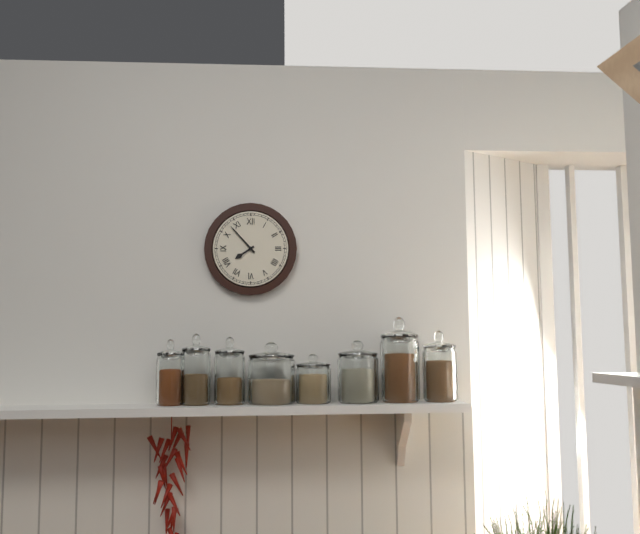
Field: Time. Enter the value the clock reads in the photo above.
7:53
